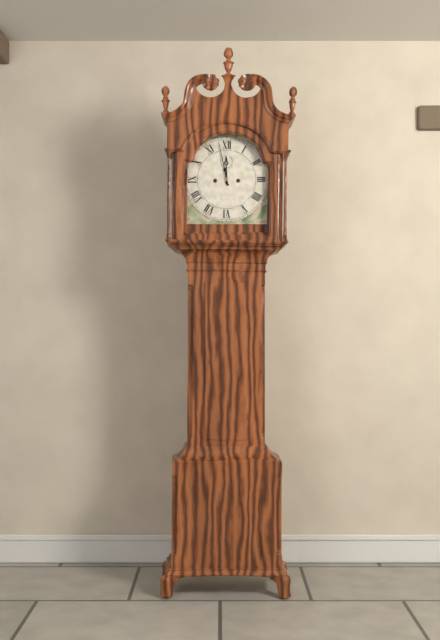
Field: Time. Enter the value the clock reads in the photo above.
11:58
